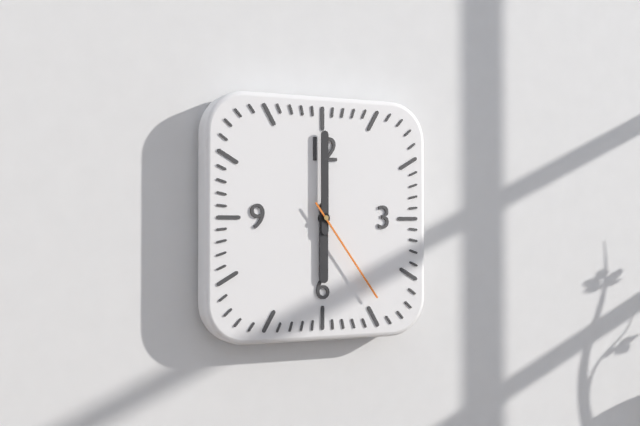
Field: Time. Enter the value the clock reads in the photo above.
6:00:24
